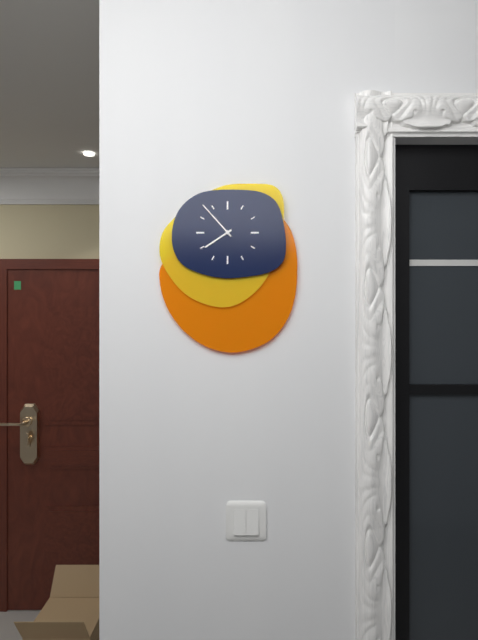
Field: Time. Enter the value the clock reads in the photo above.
7:53
